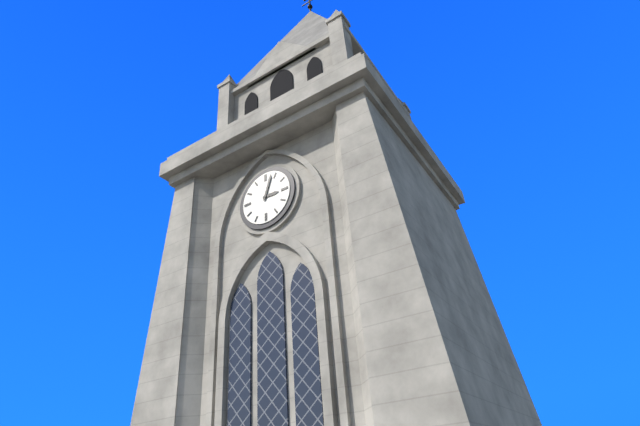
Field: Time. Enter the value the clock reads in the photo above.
3:03
